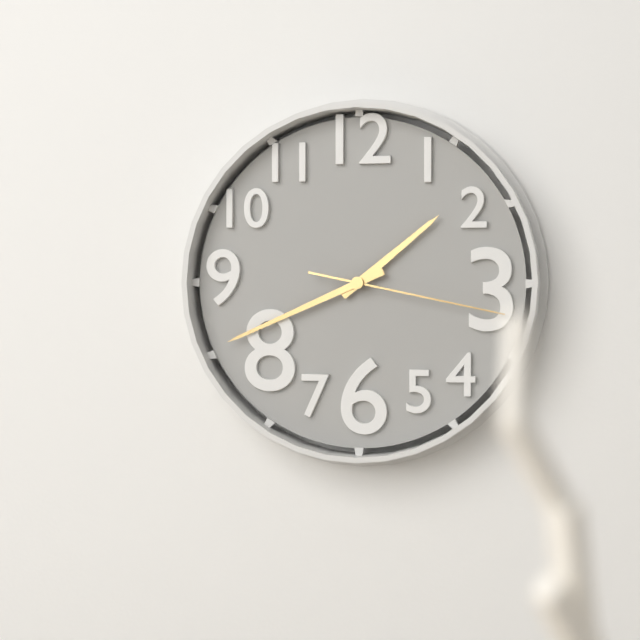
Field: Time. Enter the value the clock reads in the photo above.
1:41:17
